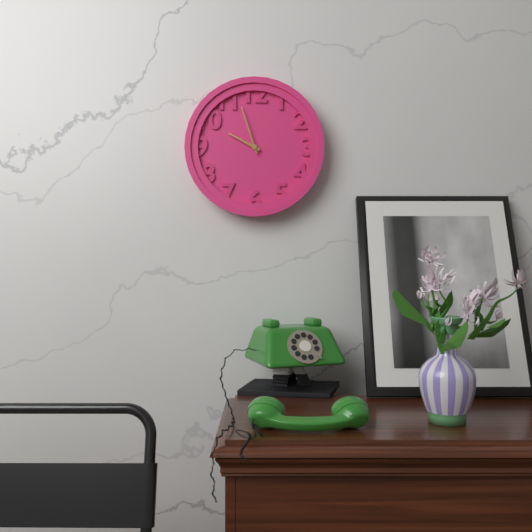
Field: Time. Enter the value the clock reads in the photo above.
9:57
